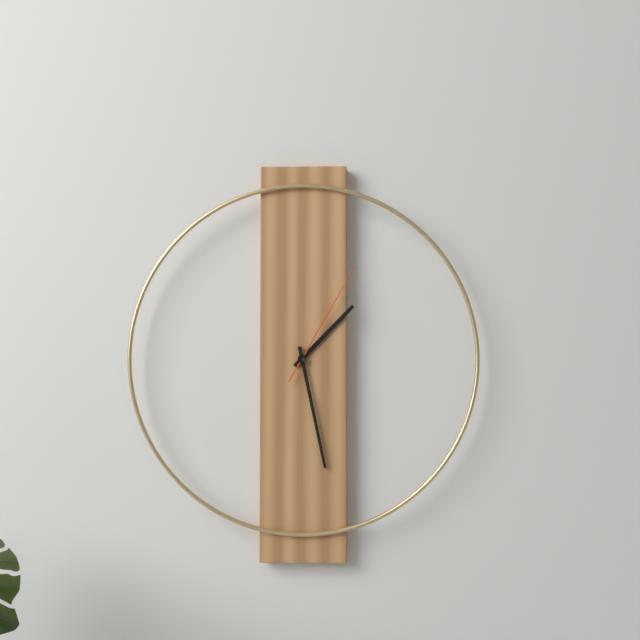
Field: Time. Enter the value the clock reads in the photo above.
1:28:05
